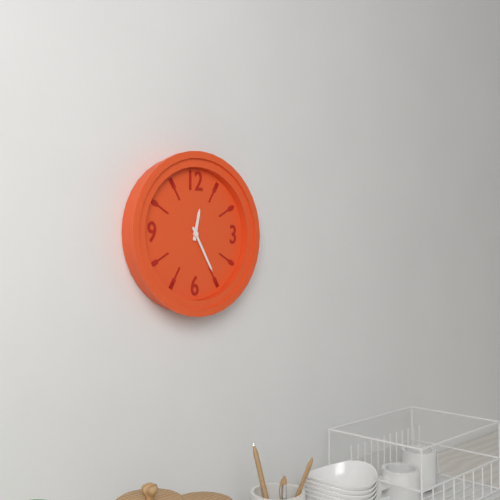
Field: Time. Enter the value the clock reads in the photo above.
12:25
